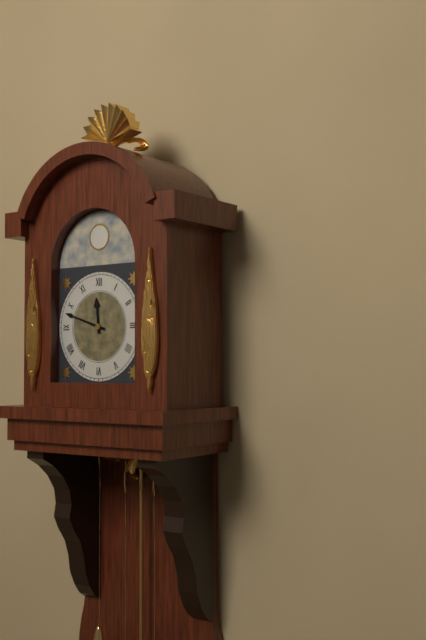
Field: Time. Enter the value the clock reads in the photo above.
11:48
